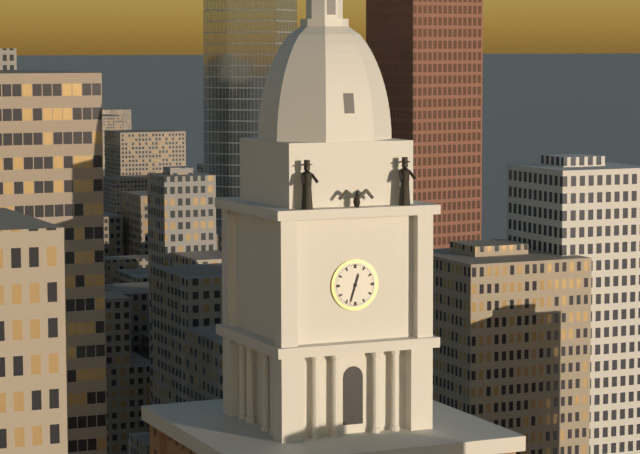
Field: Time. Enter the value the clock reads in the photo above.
12:33
